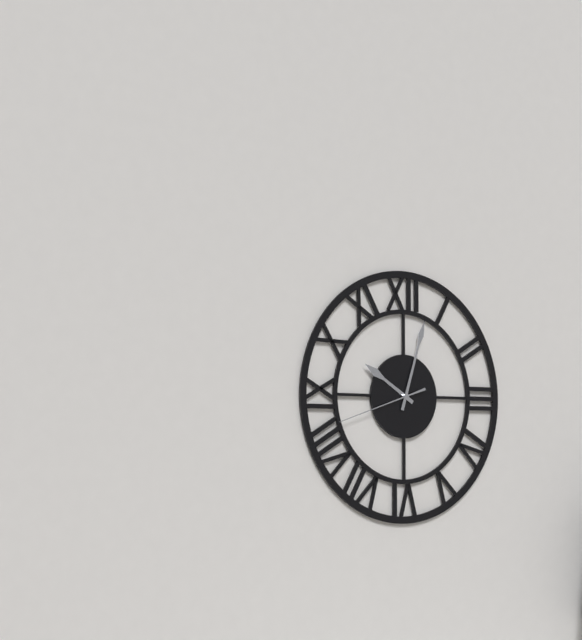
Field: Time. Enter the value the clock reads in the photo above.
10:03:42
